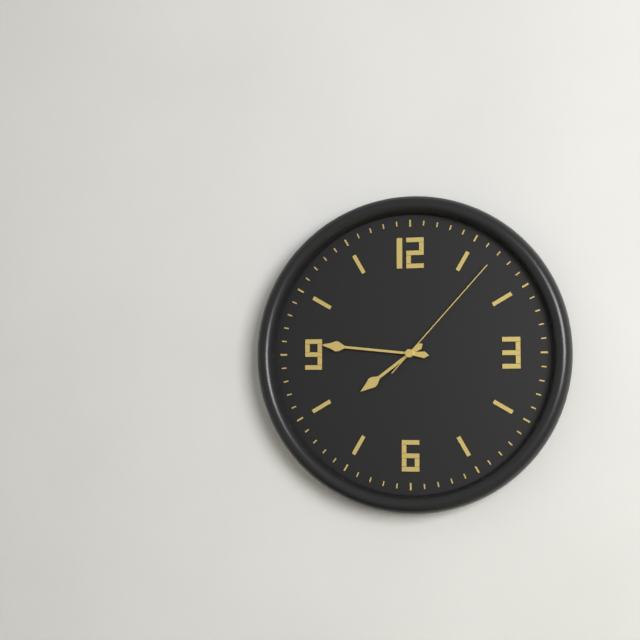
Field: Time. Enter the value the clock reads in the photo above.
7:46:07
